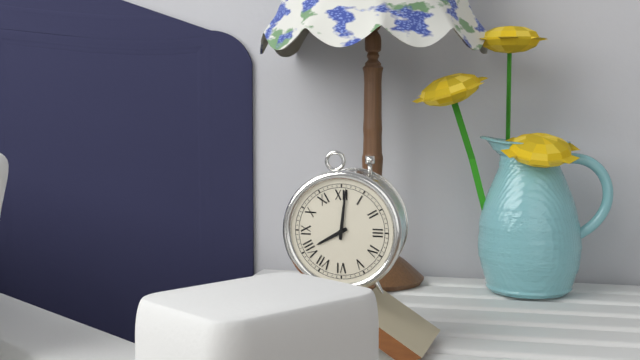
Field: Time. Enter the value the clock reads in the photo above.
8:01
